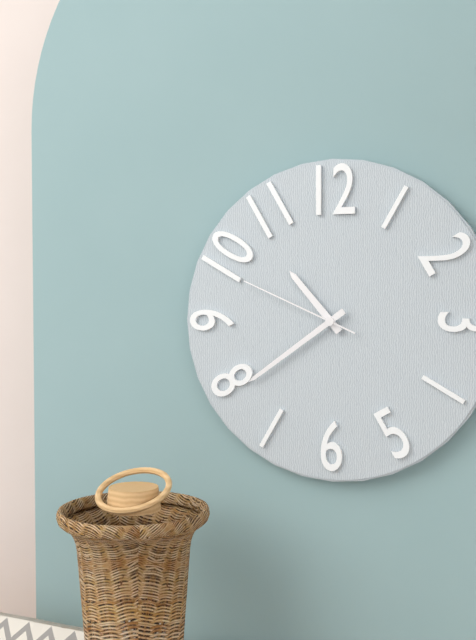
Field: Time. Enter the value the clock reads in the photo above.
10:39:49
